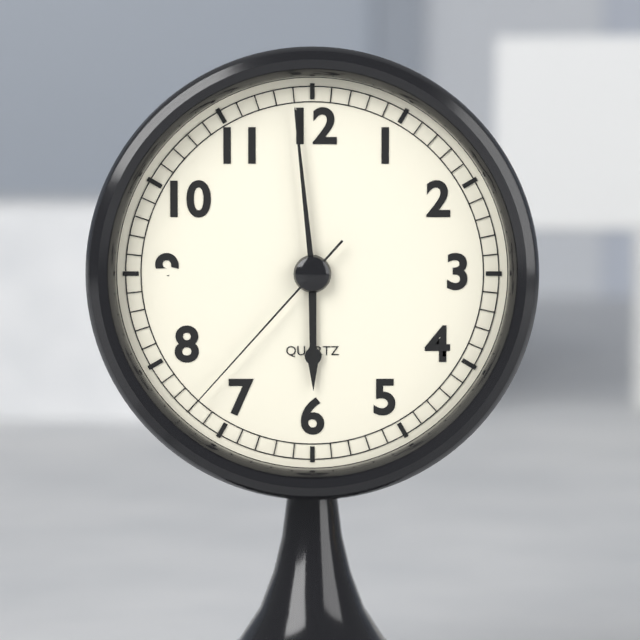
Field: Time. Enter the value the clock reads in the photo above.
5:59:37
